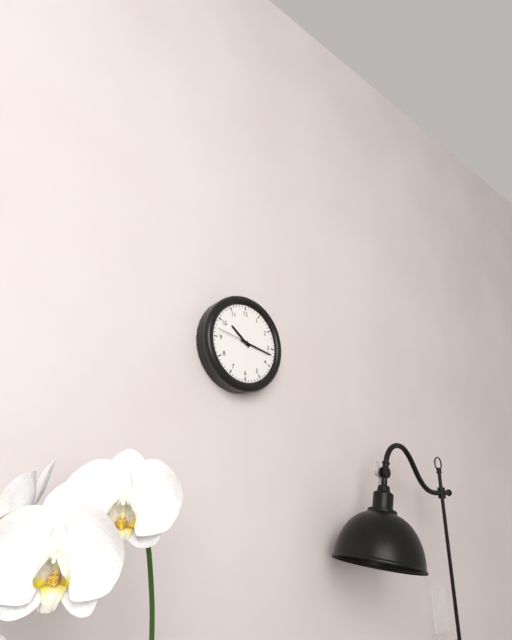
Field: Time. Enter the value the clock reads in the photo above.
10:17
